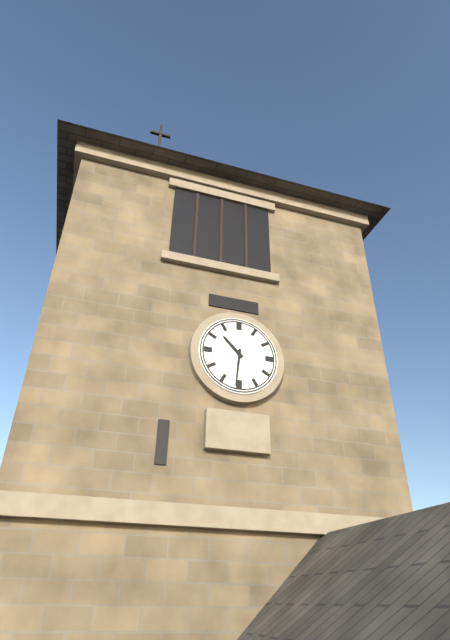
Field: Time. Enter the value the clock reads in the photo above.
10:31
